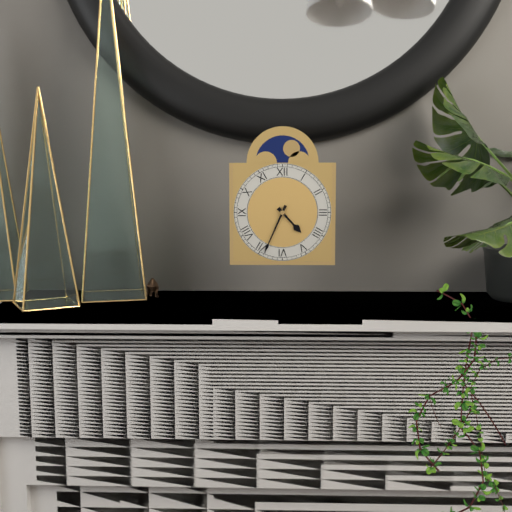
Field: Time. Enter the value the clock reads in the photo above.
4:34
